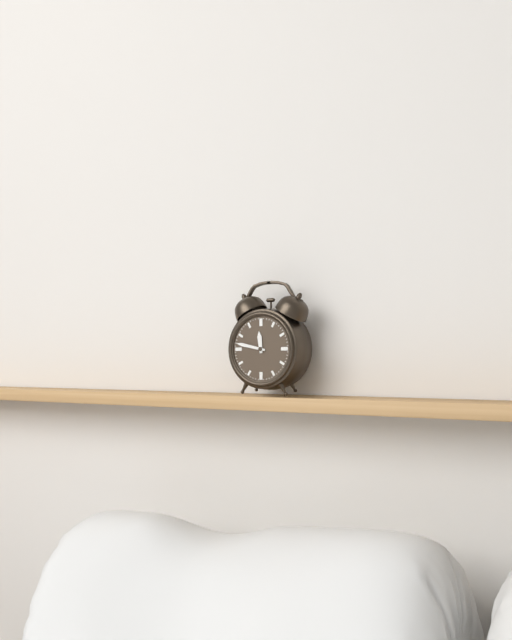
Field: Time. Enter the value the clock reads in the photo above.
11:47
